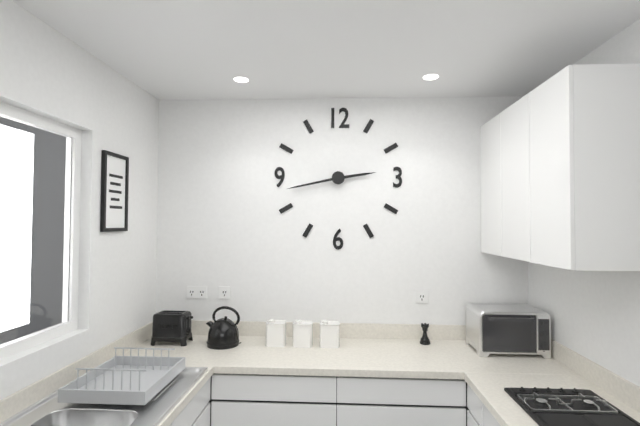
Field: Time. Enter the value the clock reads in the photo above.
2:43
